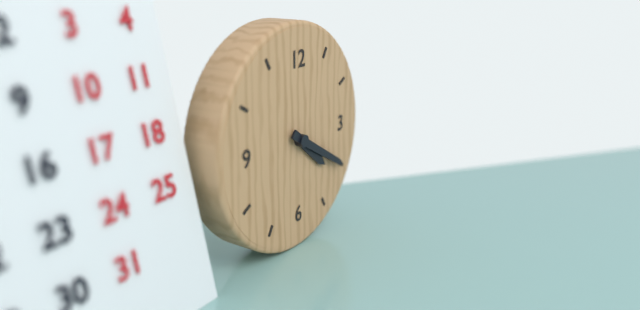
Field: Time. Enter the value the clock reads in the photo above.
4:20
